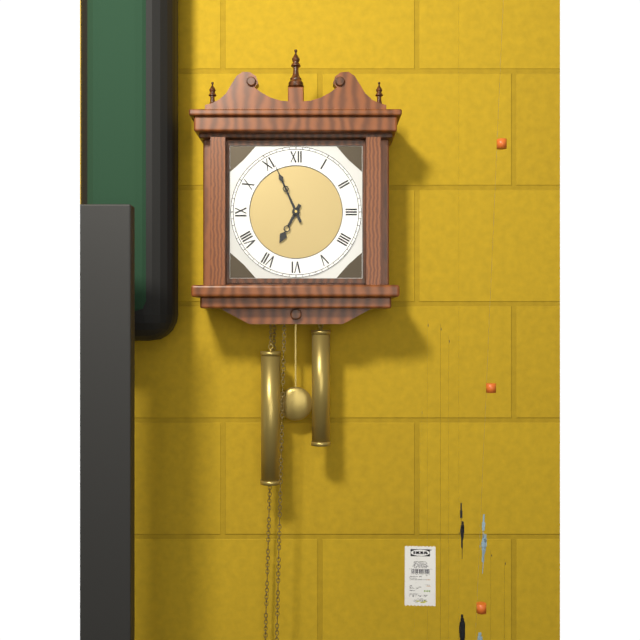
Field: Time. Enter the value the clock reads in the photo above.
6:56
